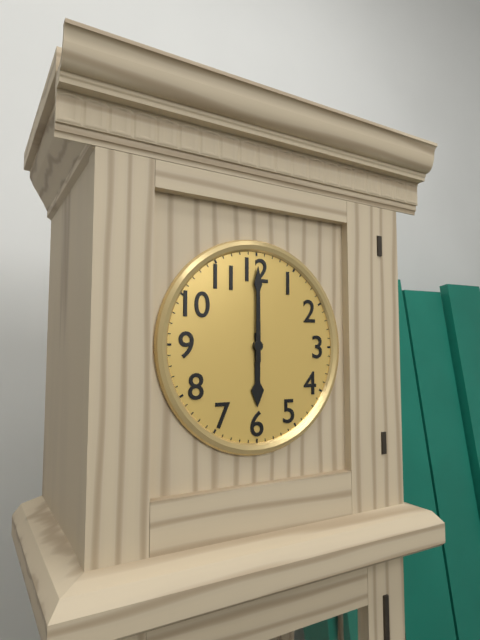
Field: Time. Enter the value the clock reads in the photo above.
6:00
